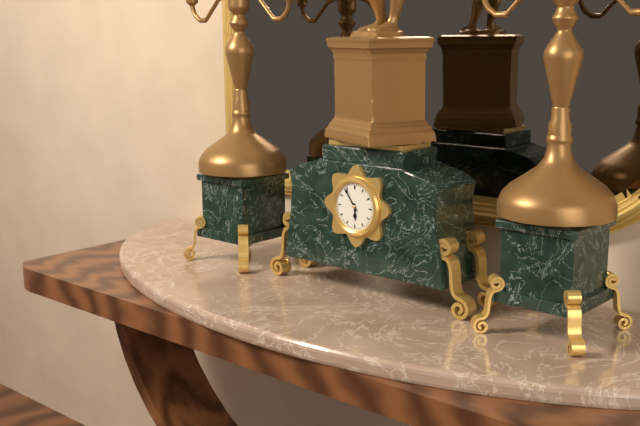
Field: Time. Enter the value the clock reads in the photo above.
5:54
